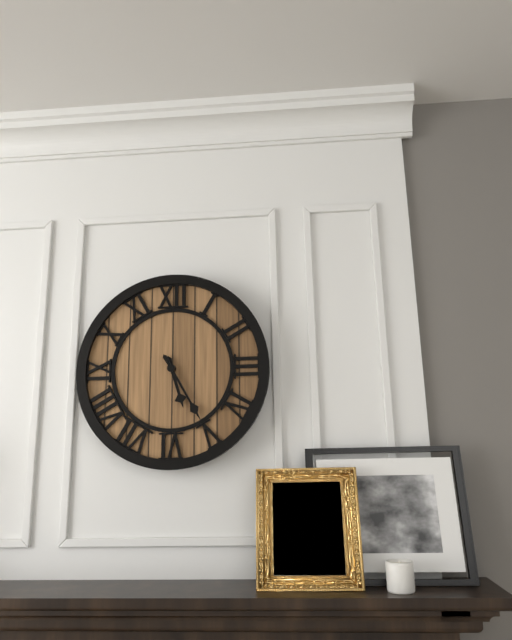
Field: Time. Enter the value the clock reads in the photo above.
5:25
